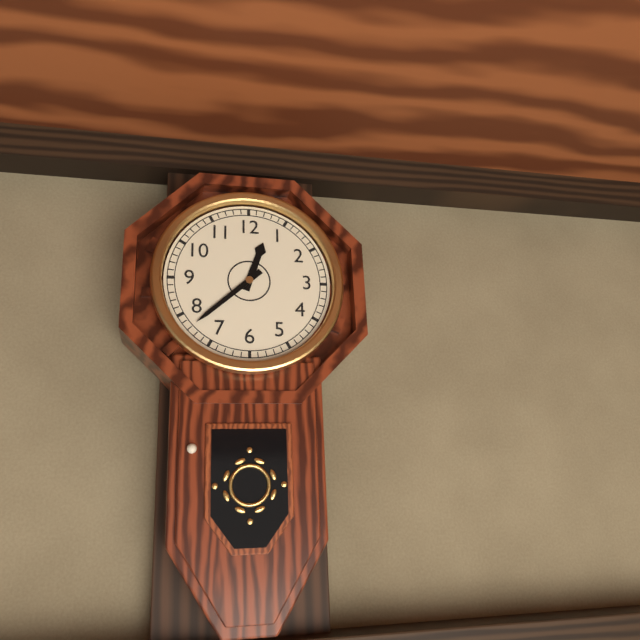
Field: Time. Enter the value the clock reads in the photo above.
12:38
